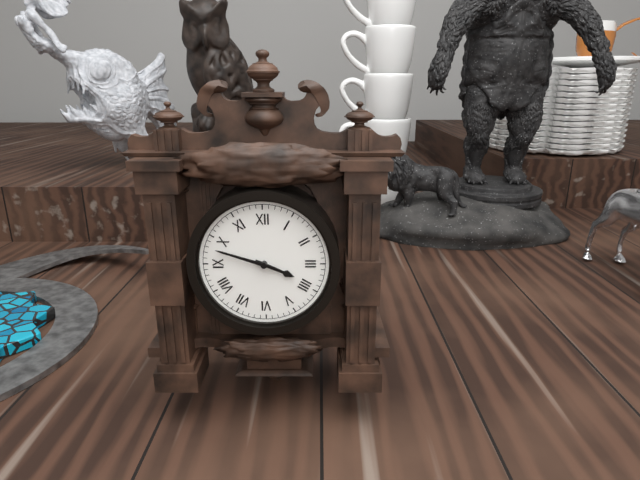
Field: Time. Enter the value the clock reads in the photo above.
3:48
